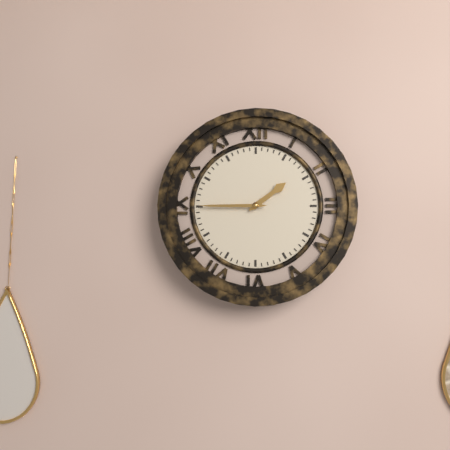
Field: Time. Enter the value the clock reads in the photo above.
1:45
